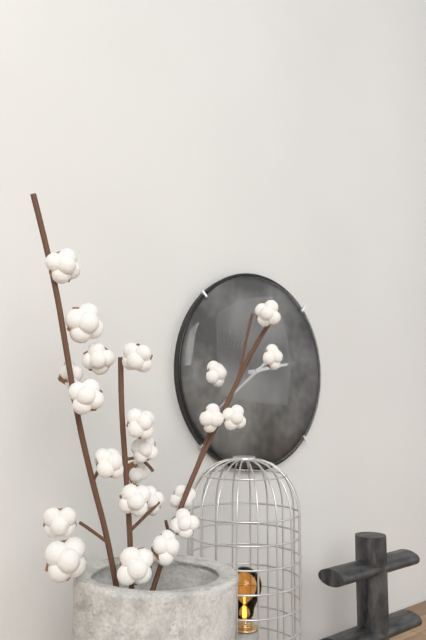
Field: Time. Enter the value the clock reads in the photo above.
2:39
